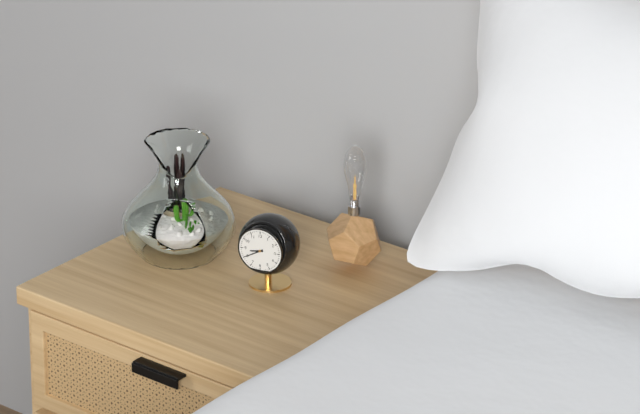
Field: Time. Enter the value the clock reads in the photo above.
8:40
